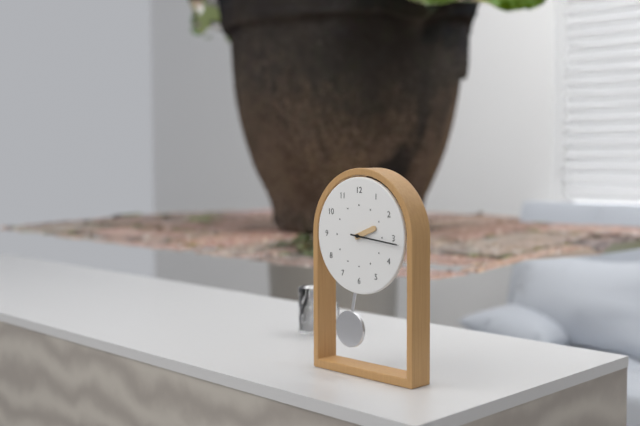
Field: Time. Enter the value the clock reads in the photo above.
2:16
